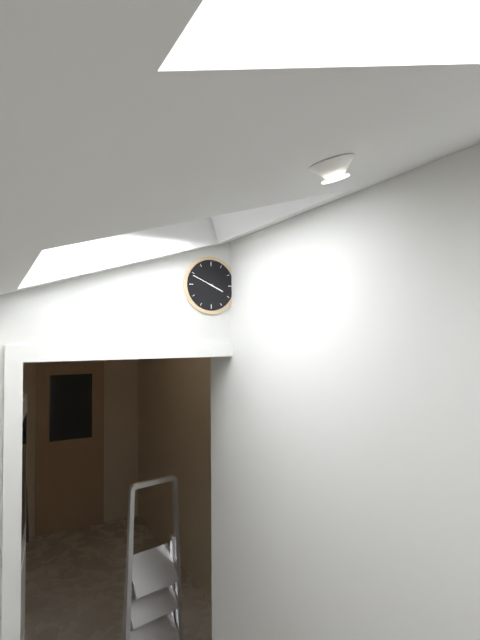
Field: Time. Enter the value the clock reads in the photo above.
3:49
